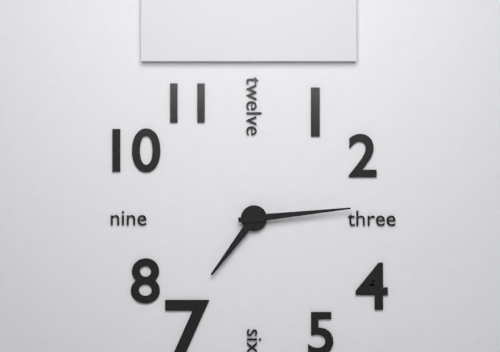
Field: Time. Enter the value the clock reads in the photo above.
7:14
